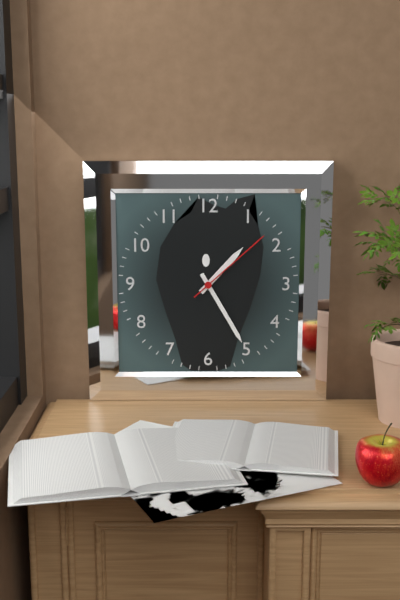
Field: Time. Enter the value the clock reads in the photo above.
1:25:08
